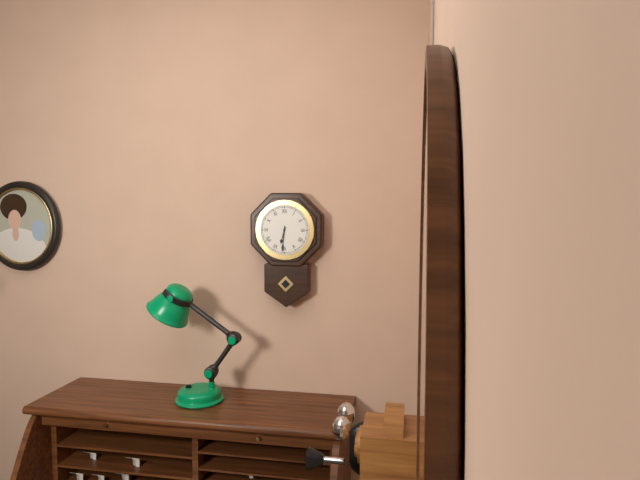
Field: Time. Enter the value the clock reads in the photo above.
6:31
